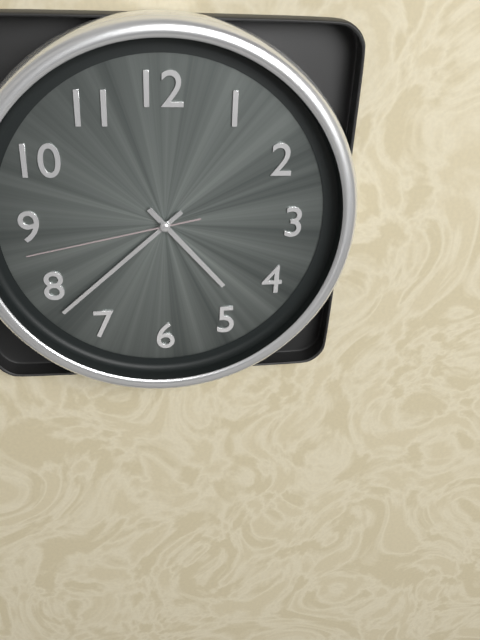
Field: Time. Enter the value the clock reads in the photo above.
4:38:43
